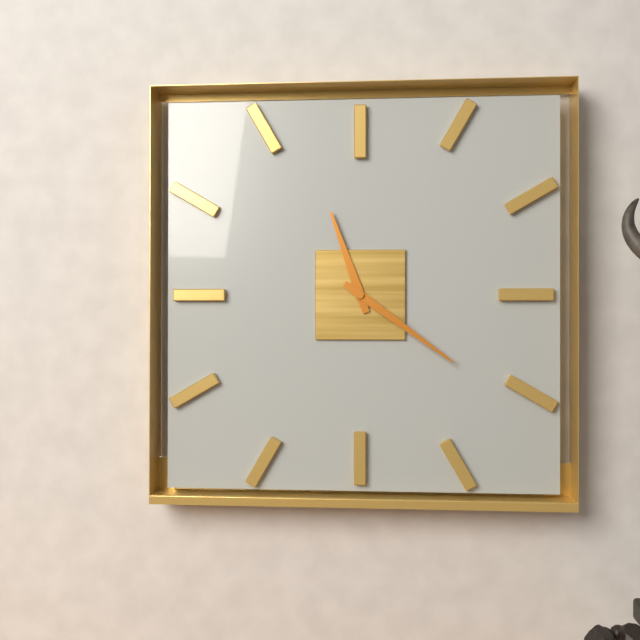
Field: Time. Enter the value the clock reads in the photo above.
11:21
